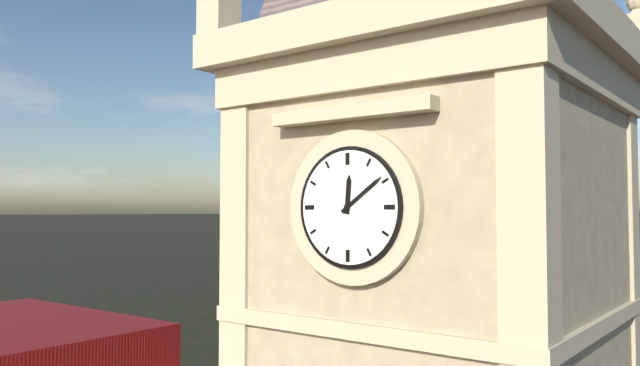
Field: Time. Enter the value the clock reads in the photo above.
12:09
